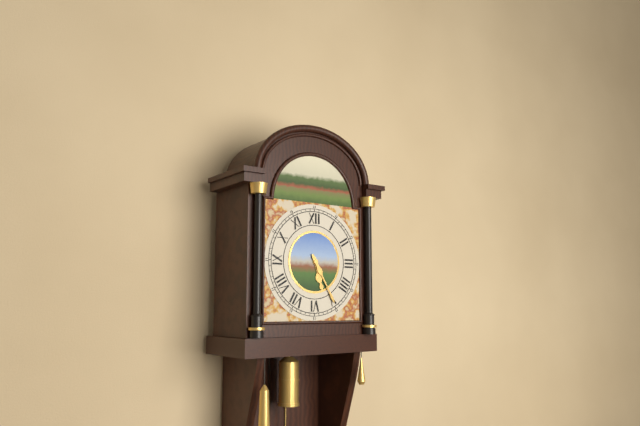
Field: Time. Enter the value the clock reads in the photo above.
5:25
